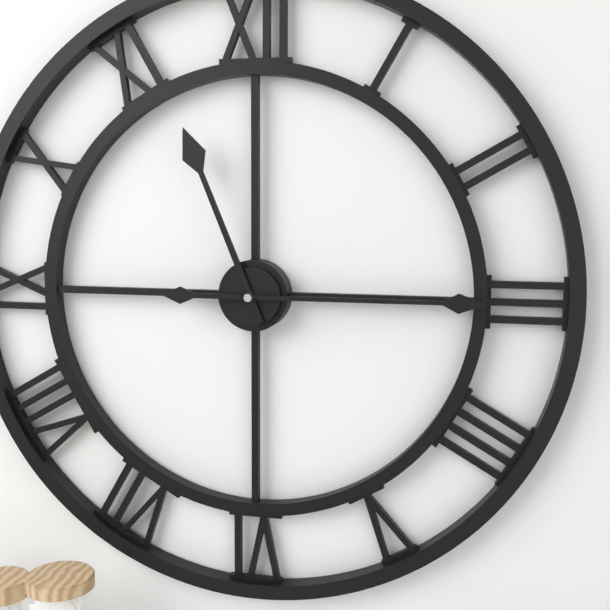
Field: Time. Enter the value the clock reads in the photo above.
11:15
